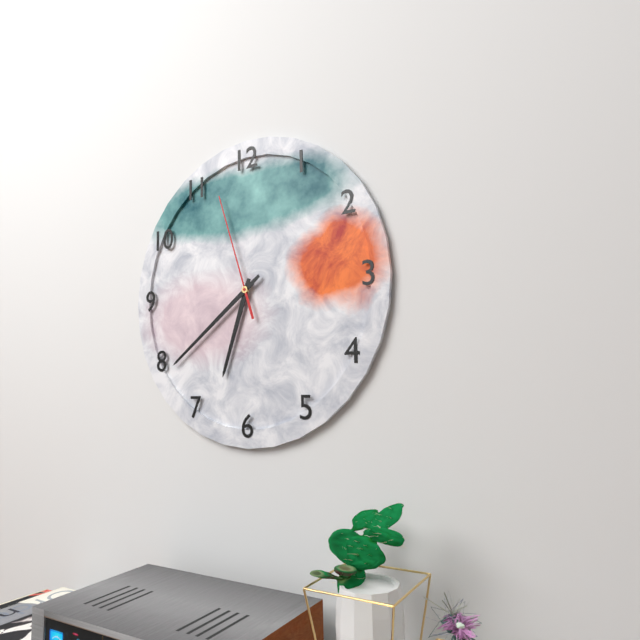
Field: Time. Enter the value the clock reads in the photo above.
6:39:57
